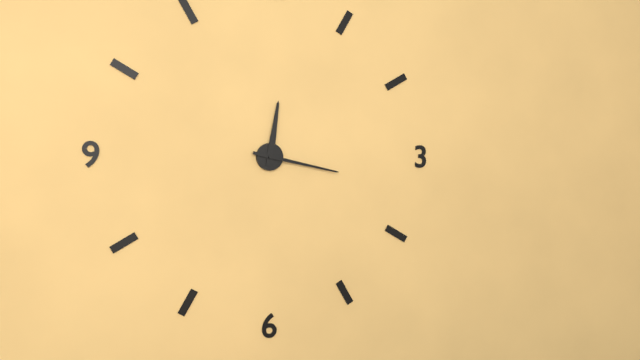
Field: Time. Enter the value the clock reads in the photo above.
12:17
